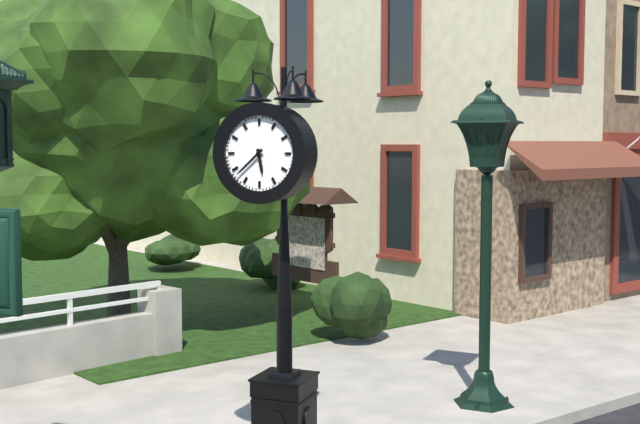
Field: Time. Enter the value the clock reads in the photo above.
5:38
